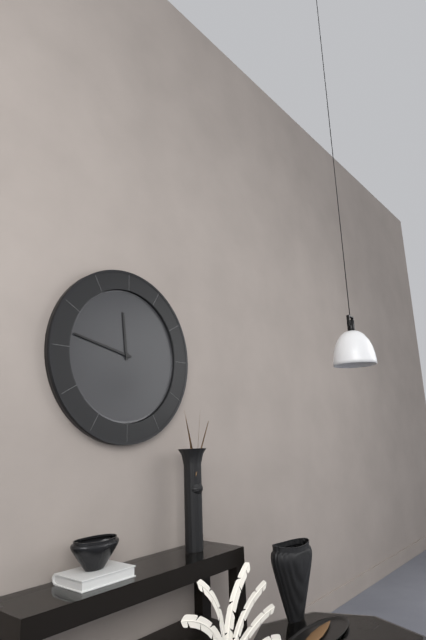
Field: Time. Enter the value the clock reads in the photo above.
11:47
